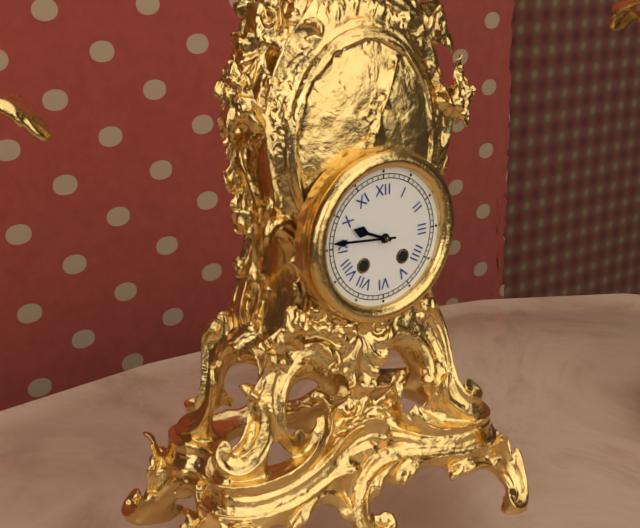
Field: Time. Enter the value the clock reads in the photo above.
9:46
